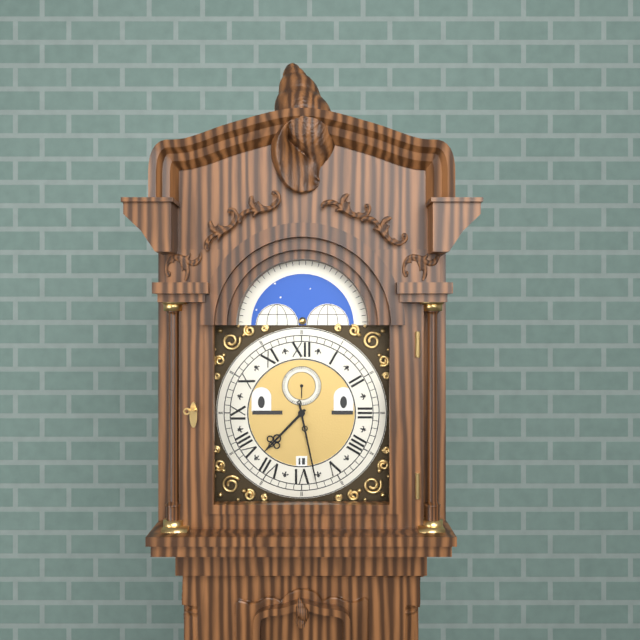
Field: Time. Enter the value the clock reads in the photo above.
7:28
